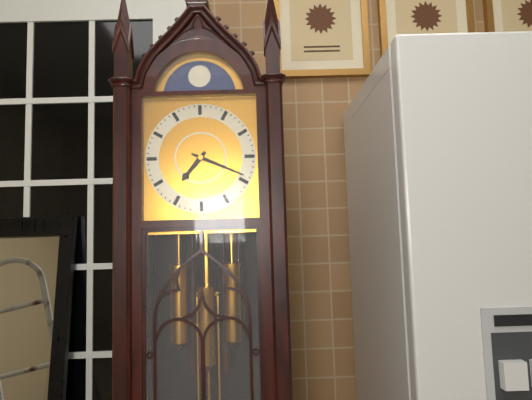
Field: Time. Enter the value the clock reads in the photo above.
7:19
